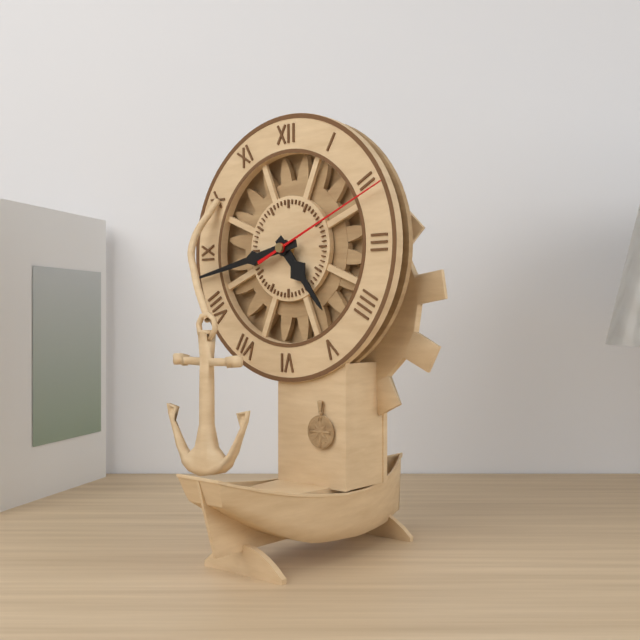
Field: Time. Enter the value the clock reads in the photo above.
4:43:11
